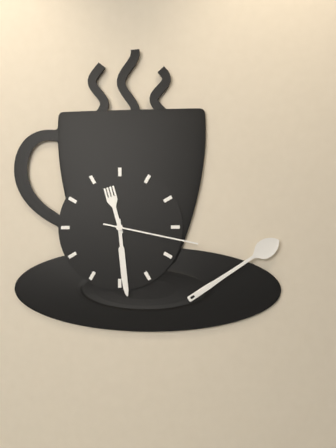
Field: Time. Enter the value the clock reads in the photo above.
11:29:17
